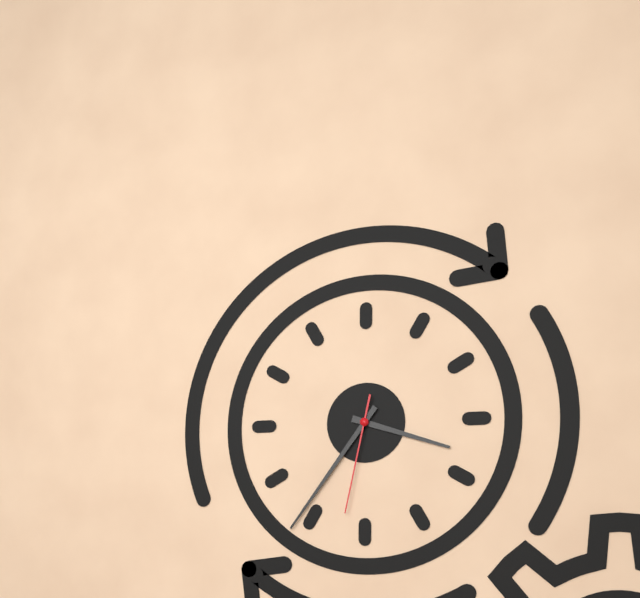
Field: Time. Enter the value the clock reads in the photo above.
3:36:32
